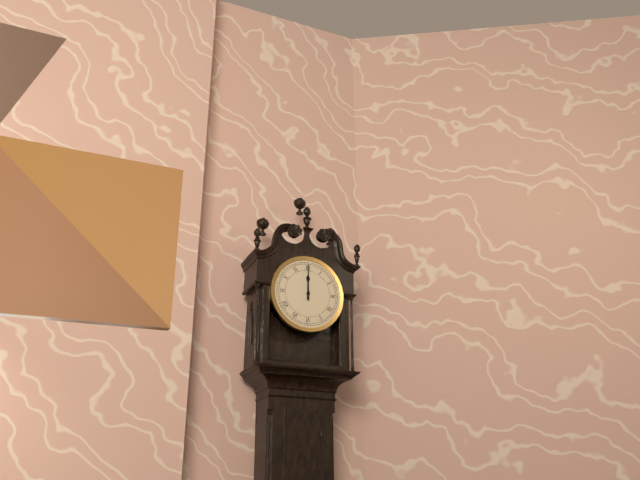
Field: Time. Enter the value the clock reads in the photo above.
12:00
